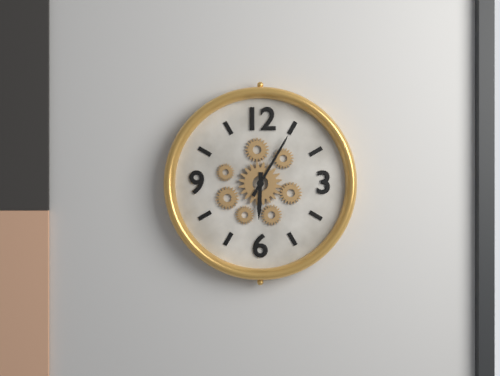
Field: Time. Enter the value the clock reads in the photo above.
6:05
